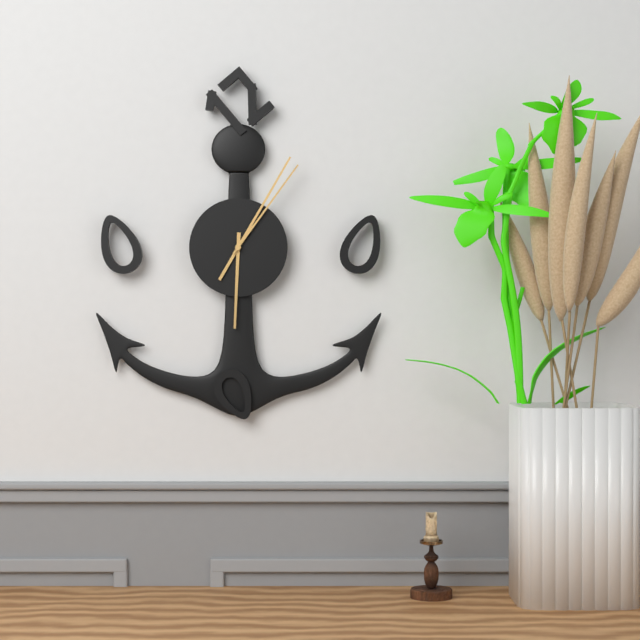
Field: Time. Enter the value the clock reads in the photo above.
6:05:06
